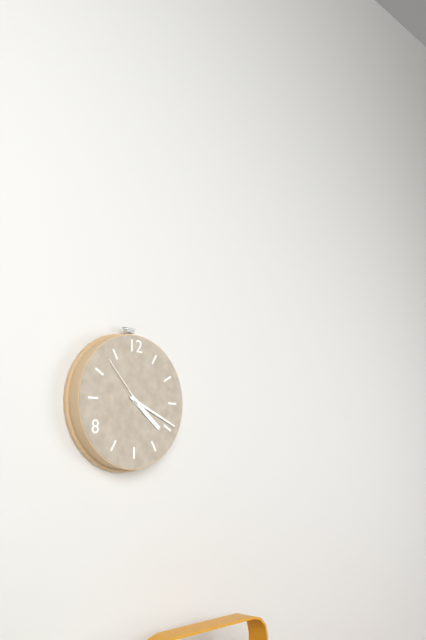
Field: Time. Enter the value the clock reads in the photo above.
4:19:53
